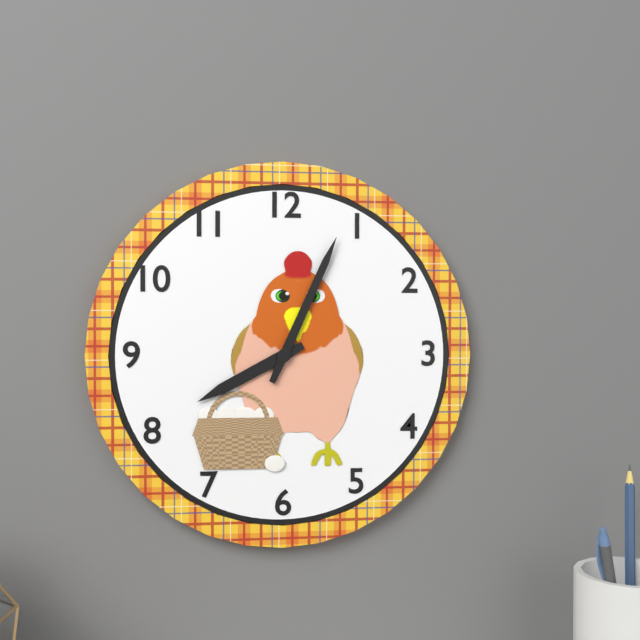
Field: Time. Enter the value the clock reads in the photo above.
8:04
